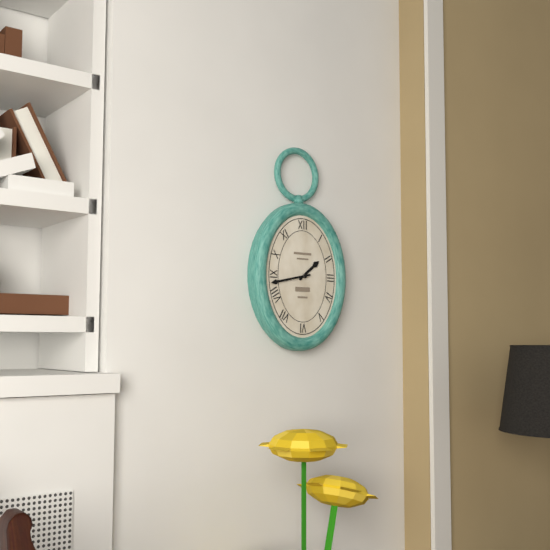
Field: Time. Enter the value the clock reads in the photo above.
1:43
